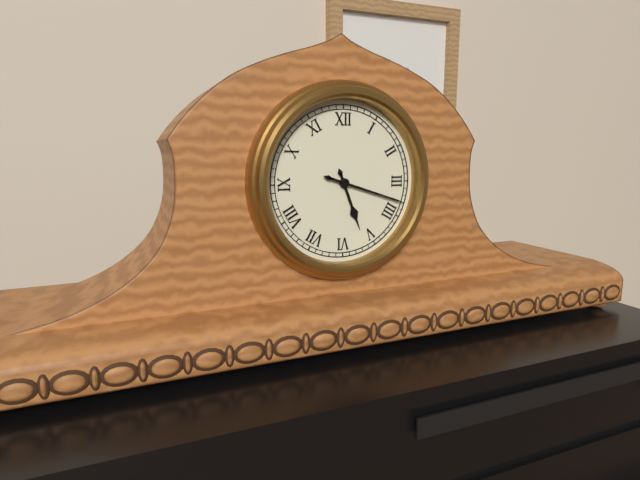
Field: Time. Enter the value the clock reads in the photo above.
5:18
